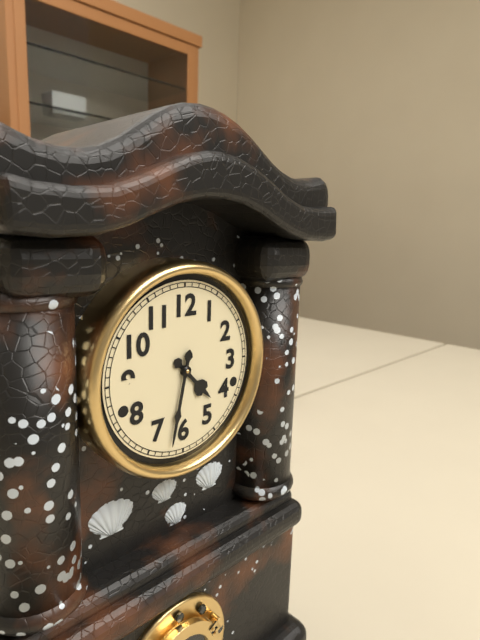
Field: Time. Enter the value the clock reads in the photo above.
4:32
